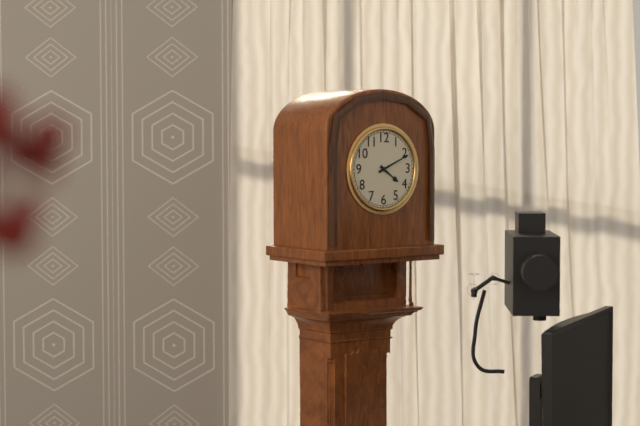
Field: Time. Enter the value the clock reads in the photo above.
4:11
